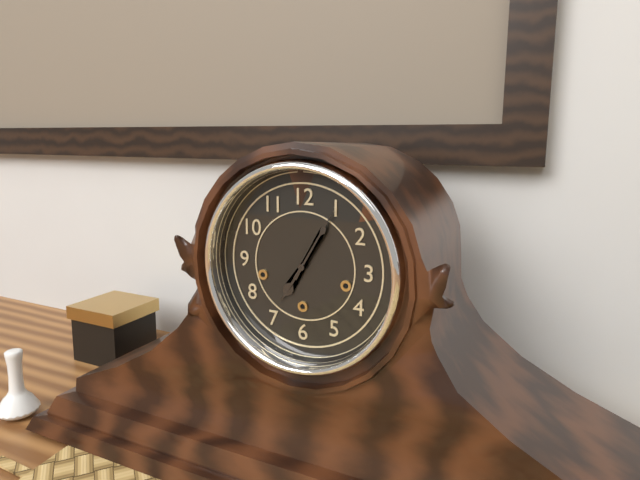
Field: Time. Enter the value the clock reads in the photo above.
7:05
